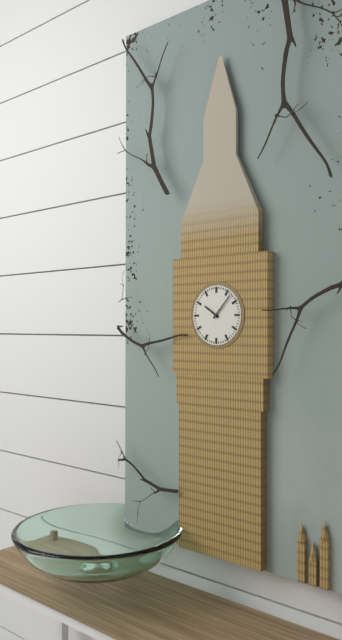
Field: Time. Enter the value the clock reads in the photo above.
10:07
